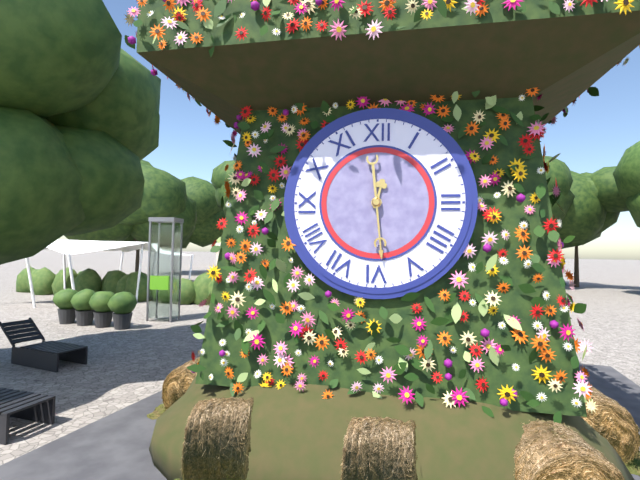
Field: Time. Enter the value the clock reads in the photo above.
12:29
